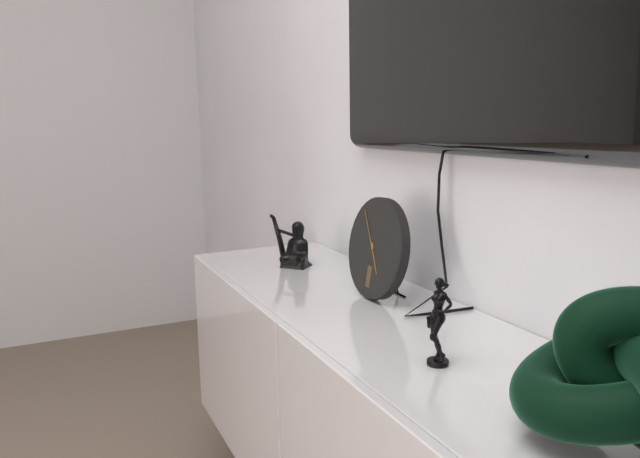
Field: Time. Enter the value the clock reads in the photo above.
4:54
